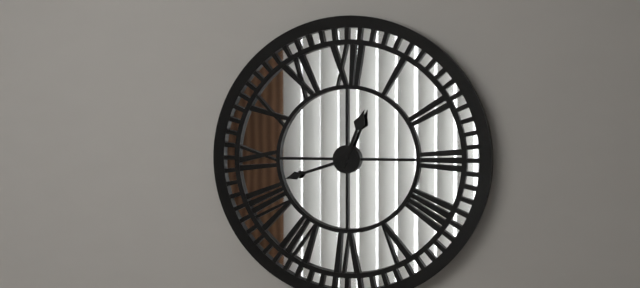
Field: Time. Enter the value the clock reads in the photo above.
12:42
